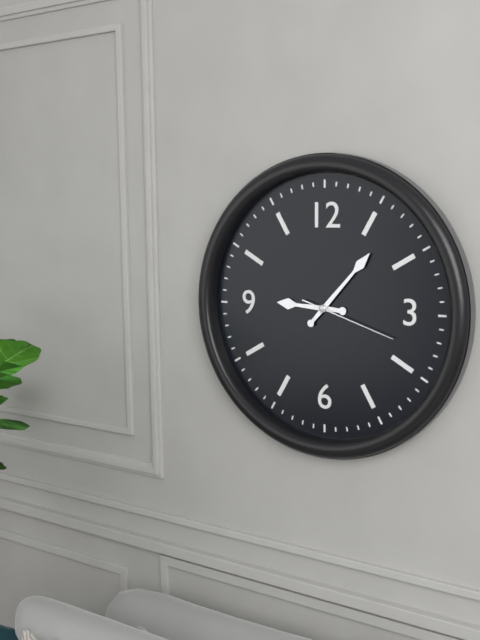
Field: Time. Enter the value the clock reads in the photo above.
9:07:18
